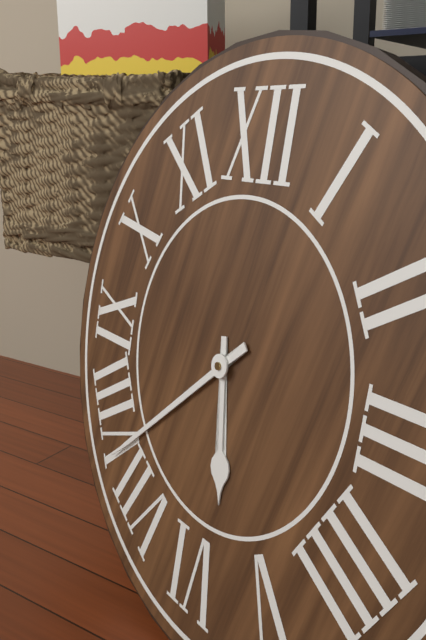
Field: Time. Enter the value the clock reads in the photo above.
5:38
